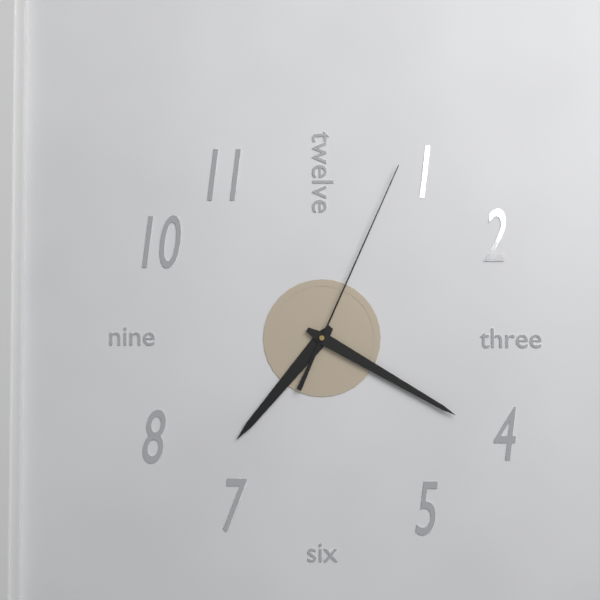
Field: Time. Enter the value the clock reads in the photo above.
7:20:04
